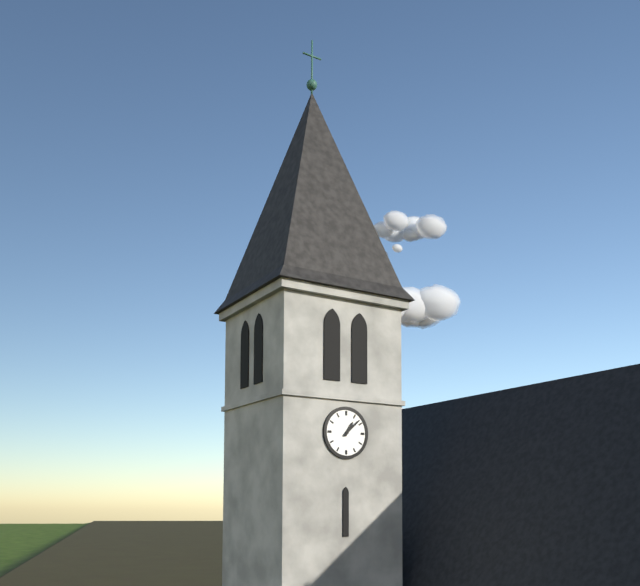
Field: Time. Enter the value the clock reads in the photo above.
1:08
